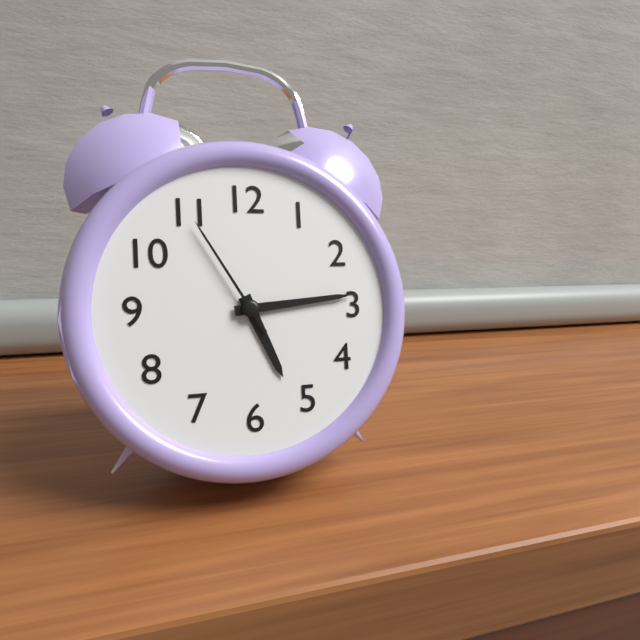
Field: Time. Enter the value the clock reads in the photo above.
5:14:55
